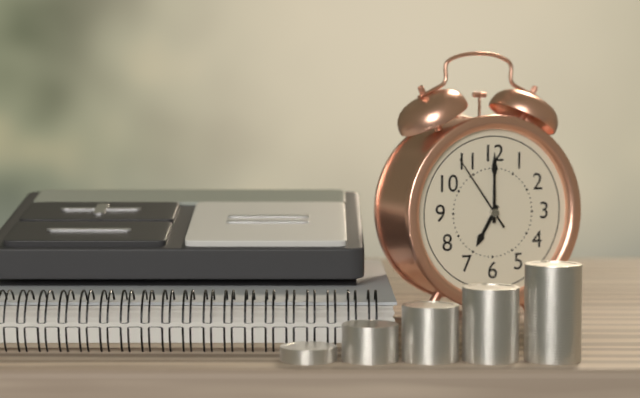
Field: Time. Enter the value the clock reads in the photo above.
7:00:54
